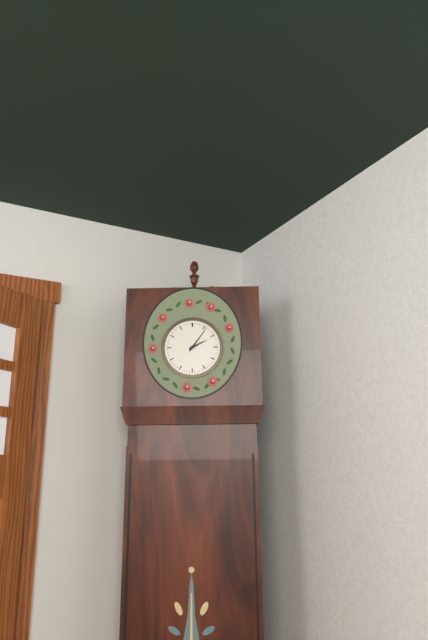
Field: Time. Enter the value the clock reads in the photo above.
2:06
